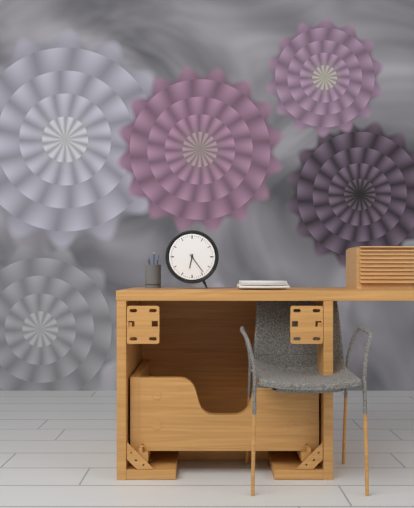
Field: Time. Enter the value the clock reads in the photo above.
6:24
